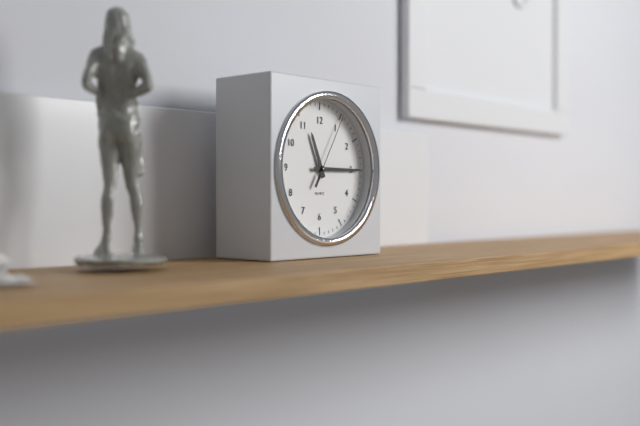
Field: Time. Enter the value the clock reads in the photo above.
11:15:05
